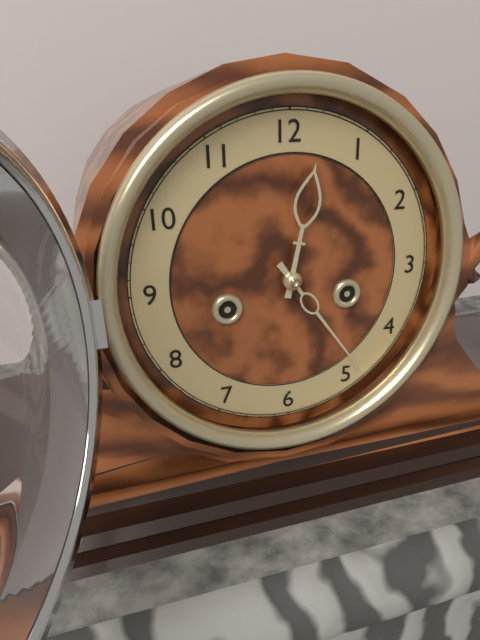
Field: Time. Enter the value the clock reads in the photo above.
12:24
